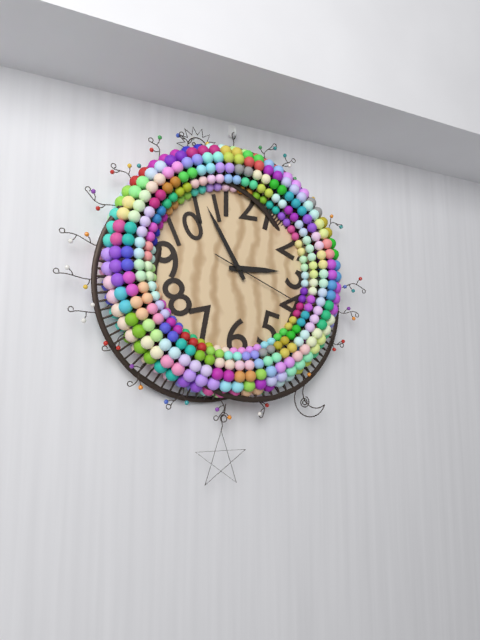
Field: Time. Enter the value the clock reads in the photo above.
2:55:19
